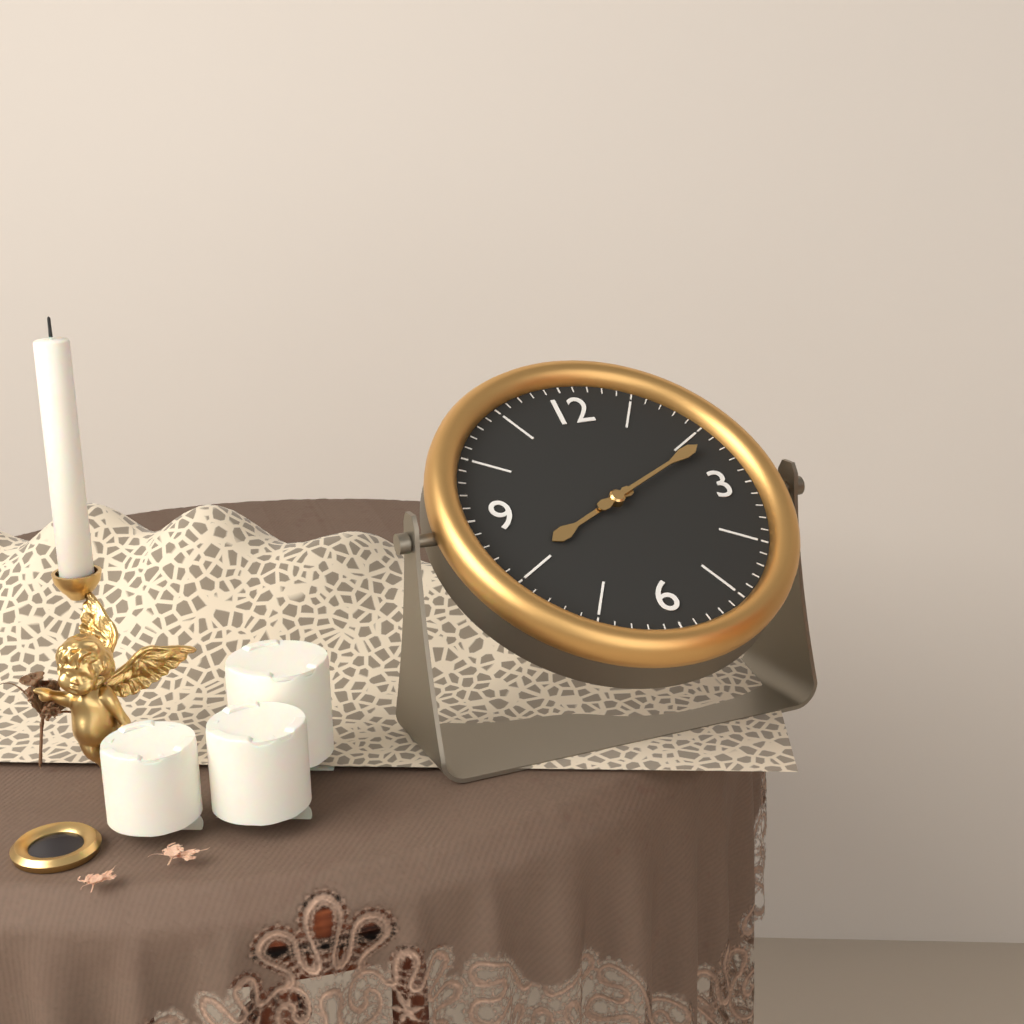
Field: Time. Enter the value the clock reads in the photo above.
8:11
